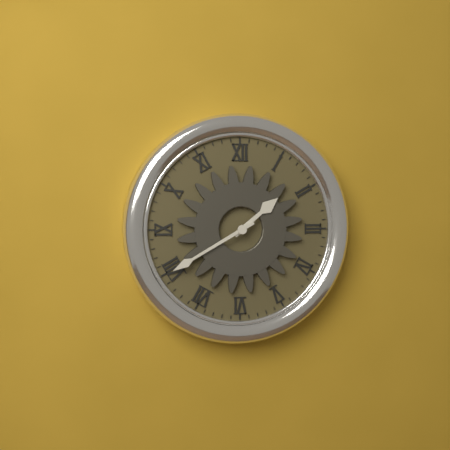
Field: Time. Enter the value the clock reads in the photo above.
1:40
